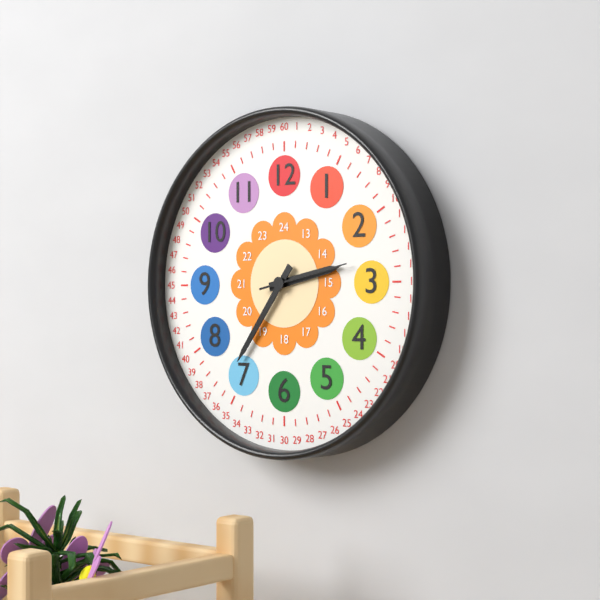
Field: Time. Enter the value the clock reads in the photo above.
2:36:13
